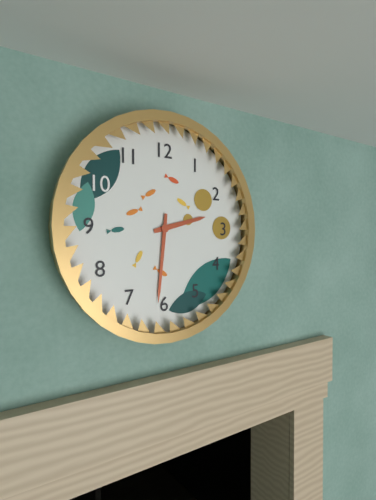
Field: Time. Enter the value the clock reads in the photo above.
2:31
